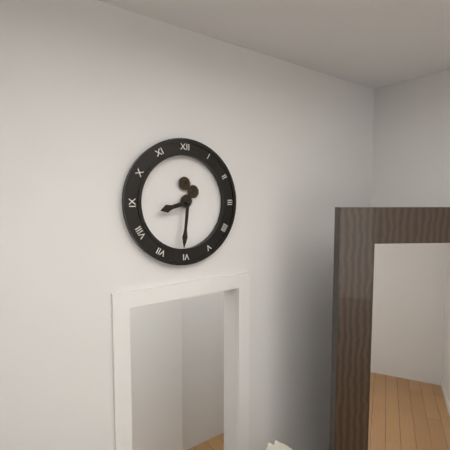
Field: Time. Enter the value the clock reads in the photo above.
8:31
